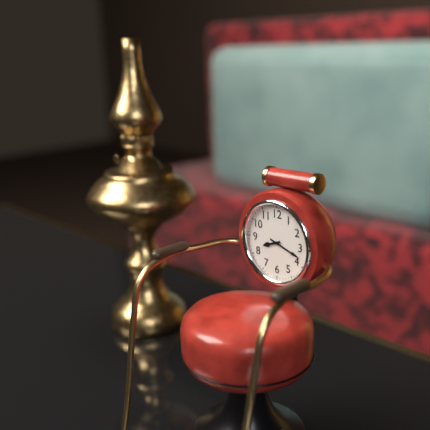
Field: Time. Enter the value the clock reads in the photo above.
8:18
